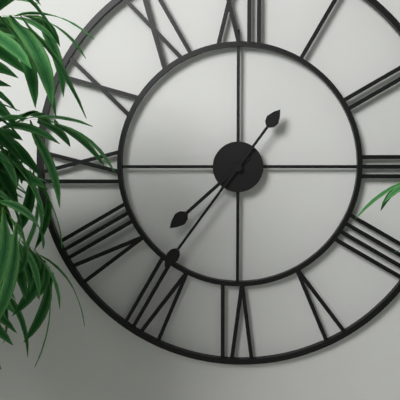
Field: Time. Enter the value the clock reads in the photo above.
7:36
